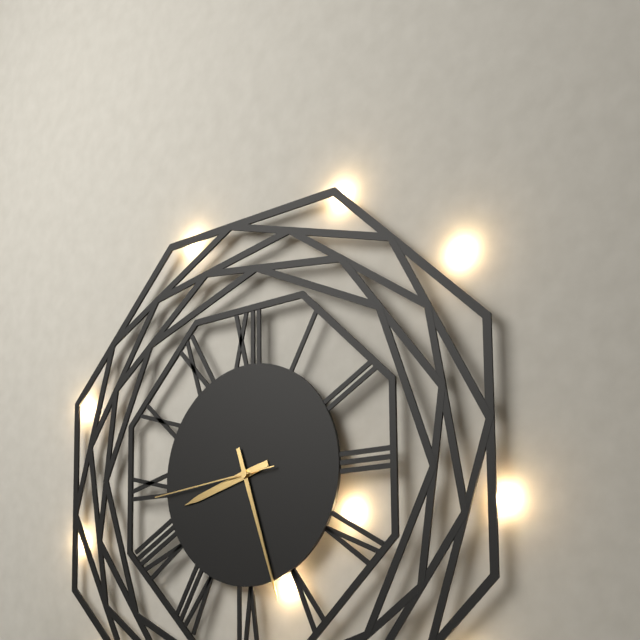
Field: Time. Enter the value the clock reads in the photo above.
8:27:44
